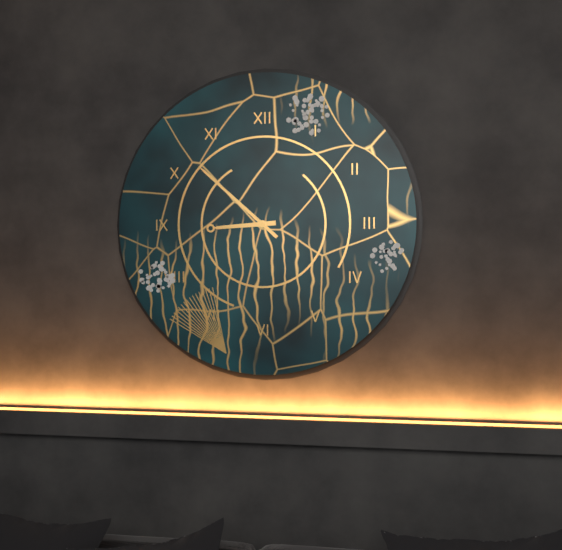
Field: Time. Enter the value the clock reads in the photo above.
8:52
